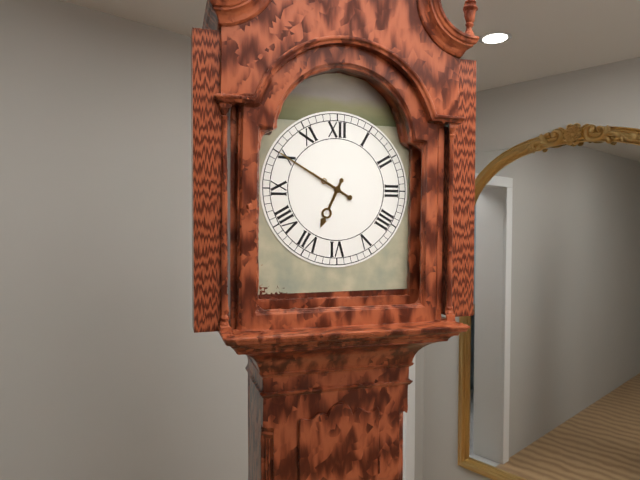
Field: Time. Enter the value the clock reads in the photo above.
6:50
